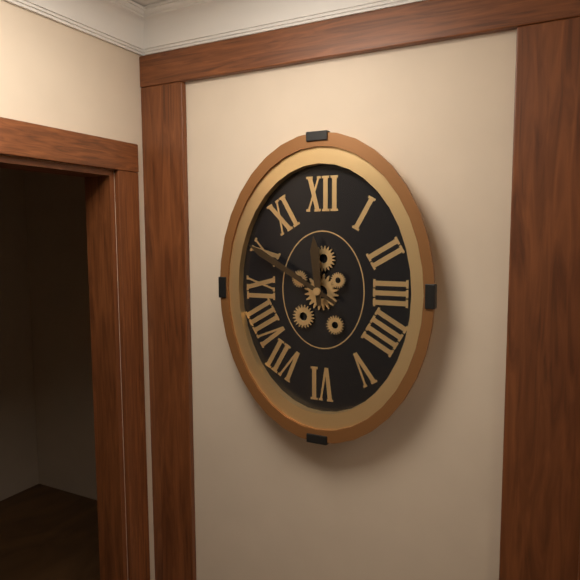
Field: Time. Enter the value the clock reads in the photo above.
11:50
